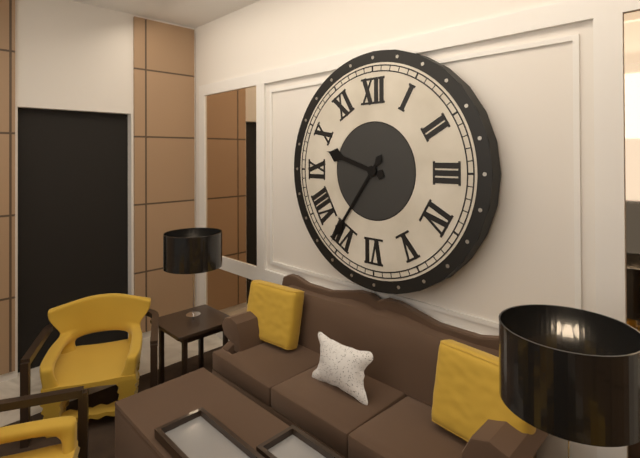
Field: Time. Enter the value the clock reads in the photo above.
9:36
